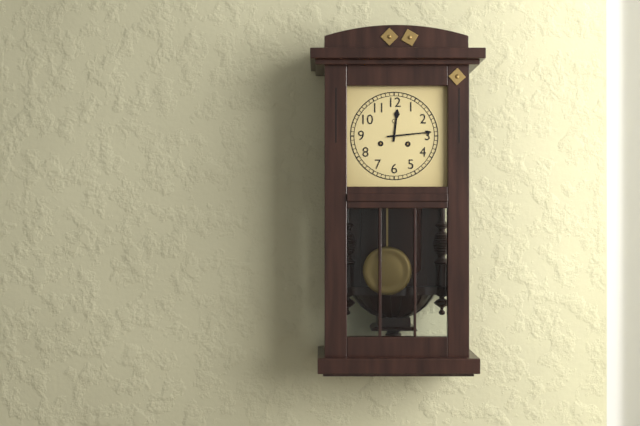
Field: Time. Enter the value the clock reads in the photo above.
12:14
